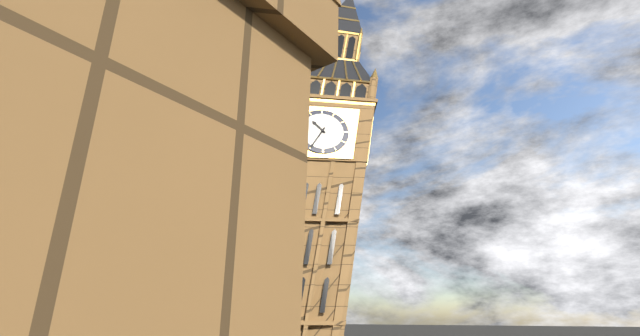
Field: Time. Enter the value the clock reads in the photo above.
10:35
